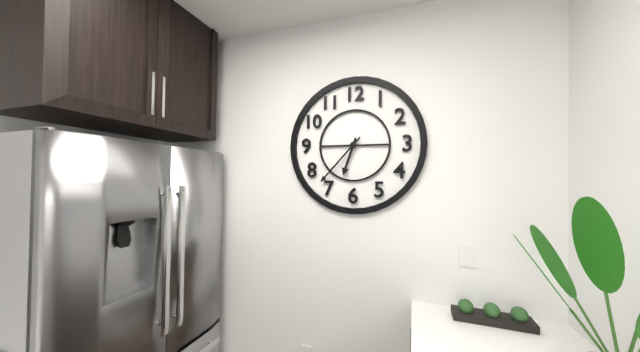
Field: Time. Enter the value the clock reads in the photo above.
6:37
